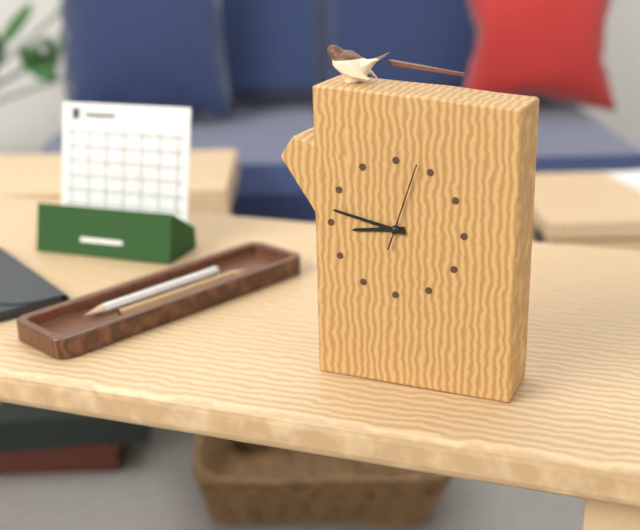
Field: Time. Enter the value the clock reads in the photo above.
8:47:03
